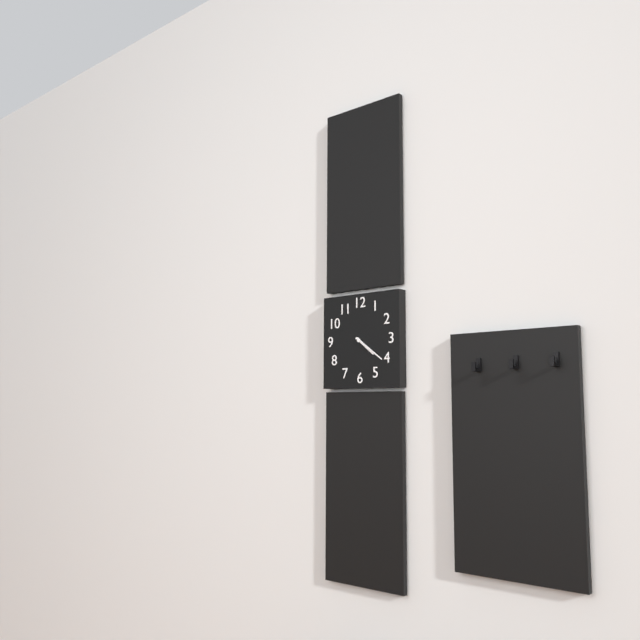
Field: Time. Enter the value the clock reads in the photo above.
4:21
